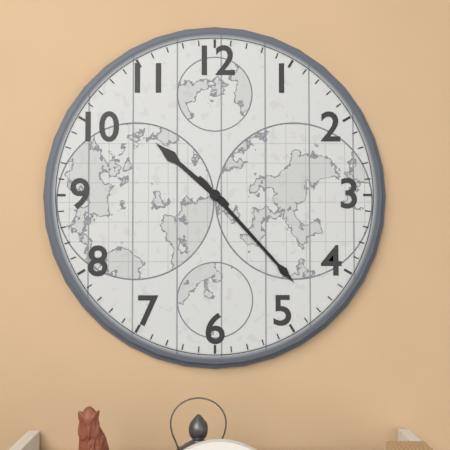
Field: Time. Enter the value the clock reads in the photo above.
10:23
